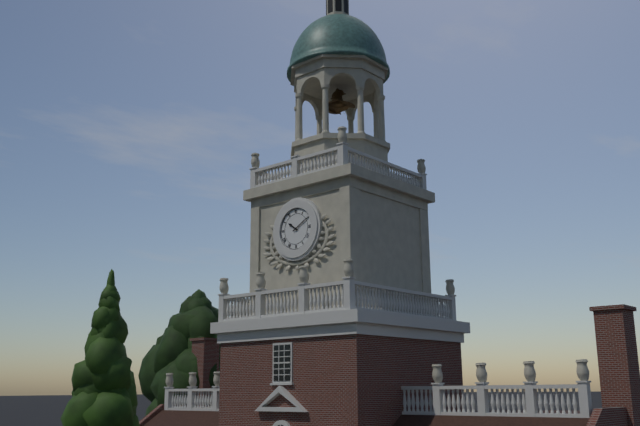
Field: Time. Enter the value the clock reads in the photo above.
10:10
